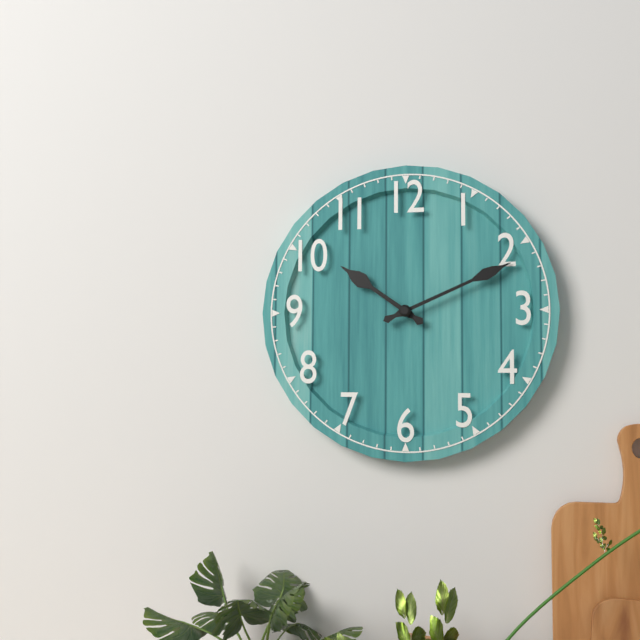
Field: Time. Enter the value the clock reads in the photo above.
10:11
